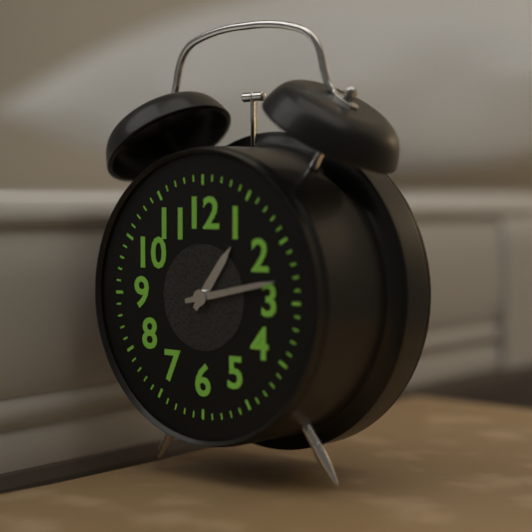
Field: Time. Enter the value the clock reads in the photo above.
1:13
